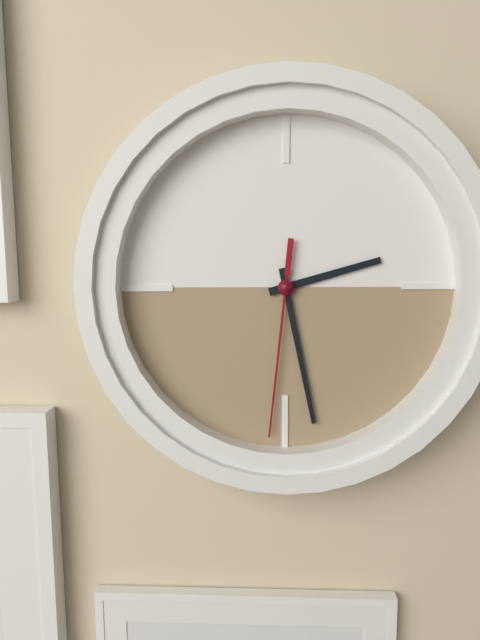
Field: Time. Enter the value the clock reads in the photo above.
2:28:31
